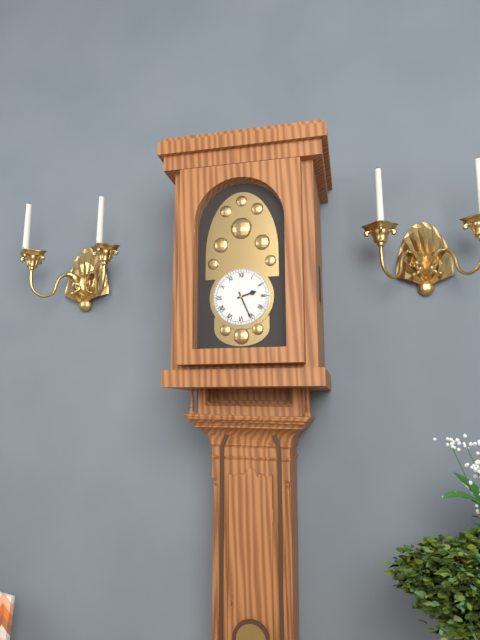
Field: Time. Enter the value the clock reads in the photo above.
2:26
